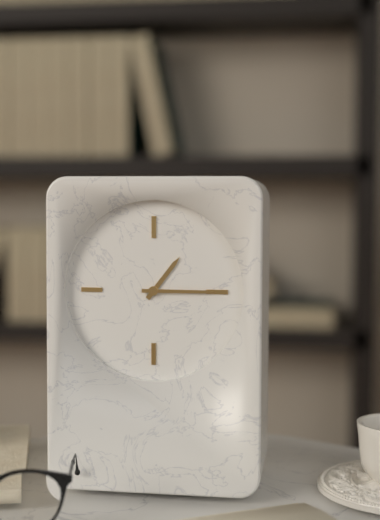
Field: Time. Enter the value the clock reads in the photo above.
1:15
